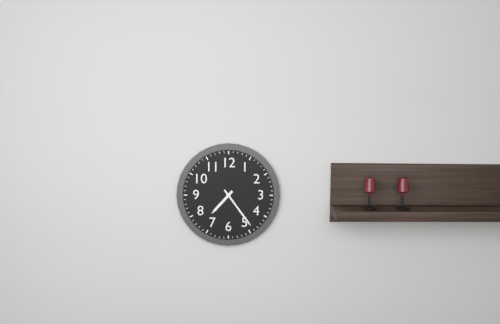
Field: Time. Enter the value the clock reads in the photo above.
7:24
